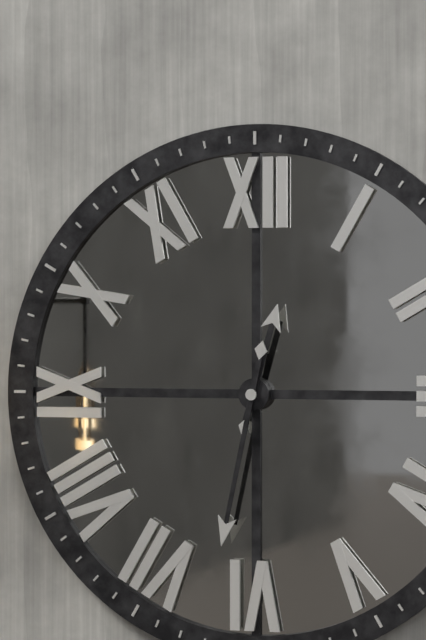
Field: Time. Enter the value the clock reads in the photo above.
12:32
